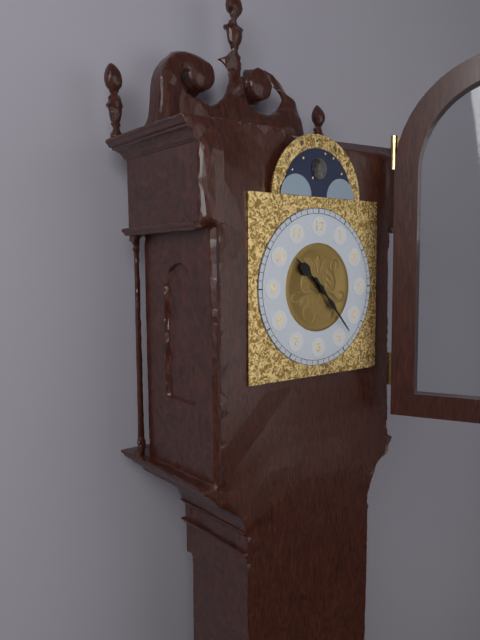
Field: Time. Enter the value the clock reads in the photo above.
10:23
